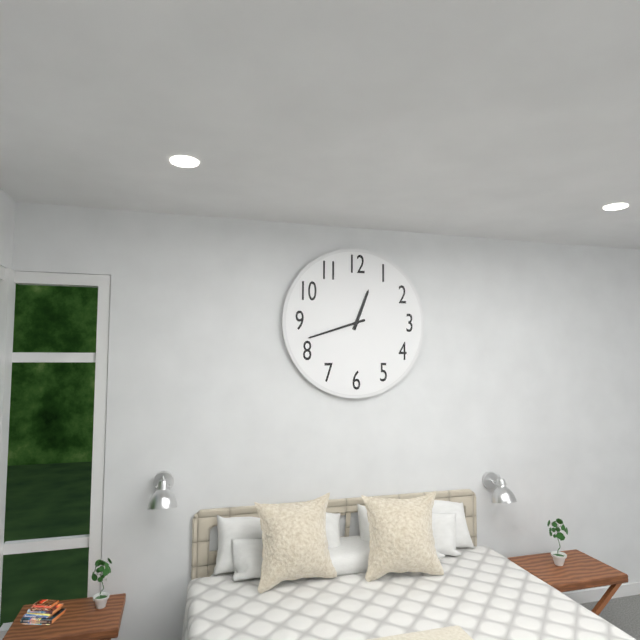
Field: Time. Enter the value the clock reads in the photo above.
12:42
